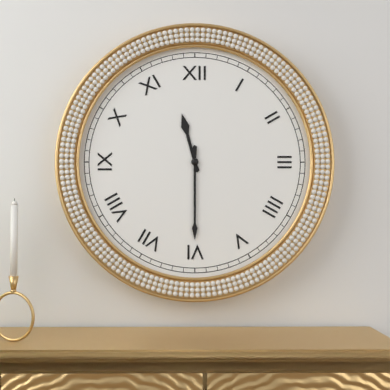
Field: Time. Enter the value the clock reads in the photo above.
11:30
